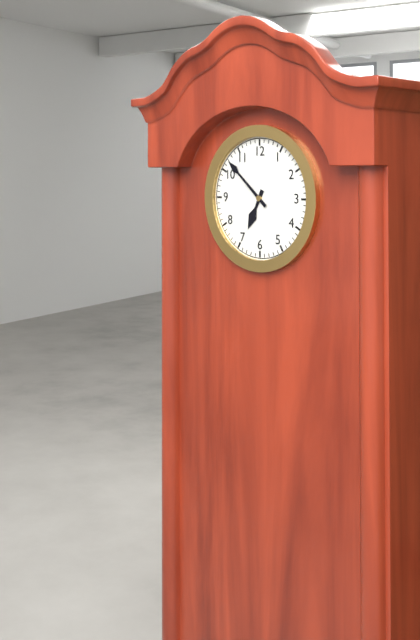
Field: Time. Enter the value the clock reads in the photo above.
6:52
